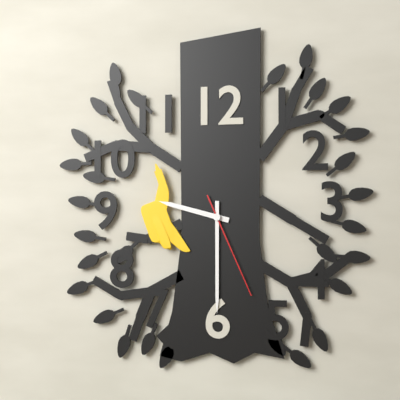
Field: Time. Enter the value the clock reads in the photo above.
9:30:26
